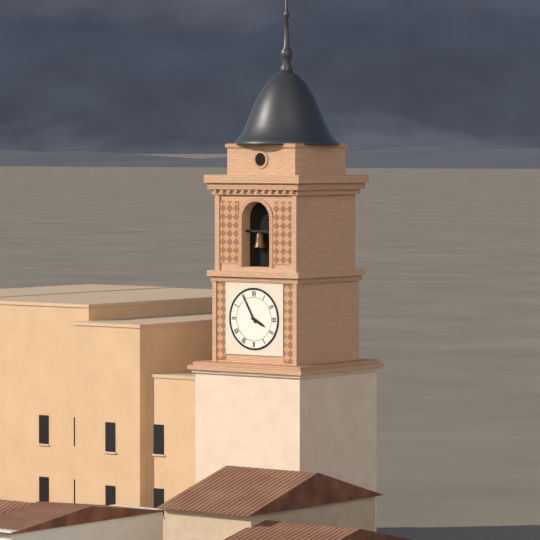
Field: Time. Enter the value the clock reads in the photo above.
3:55
